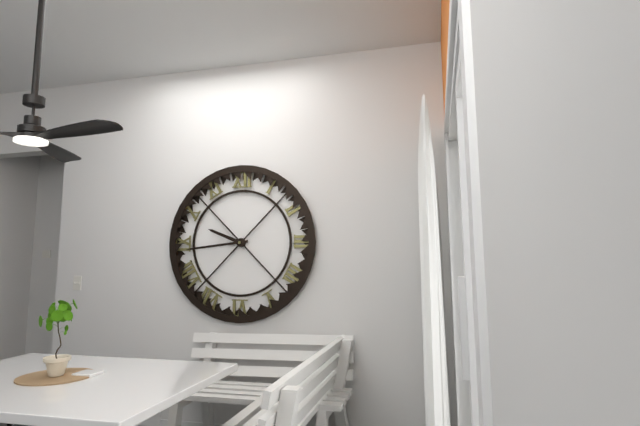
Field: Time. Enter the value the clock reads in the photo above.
9:44
